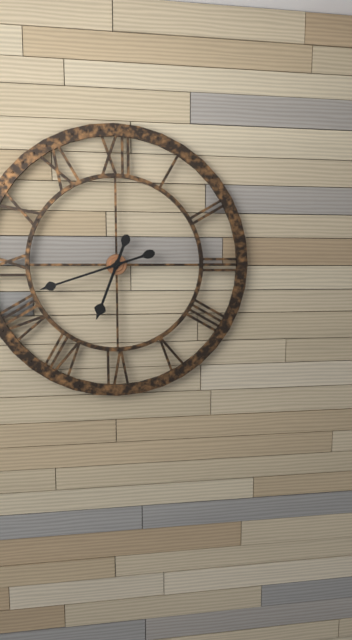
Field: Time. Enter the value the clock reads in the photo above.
6:42
